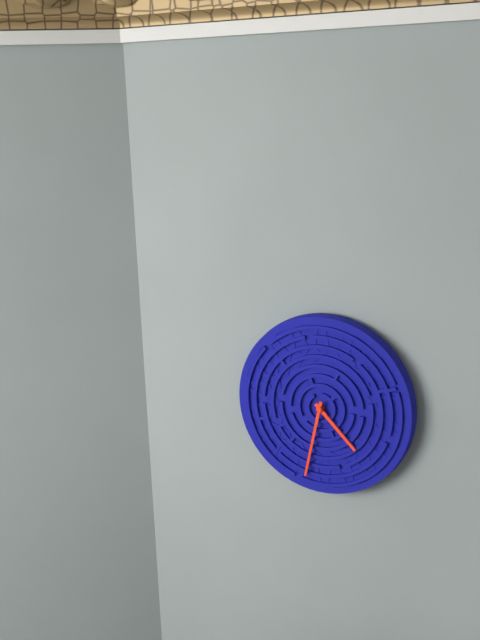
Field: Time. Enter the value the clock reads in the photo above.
4:32
